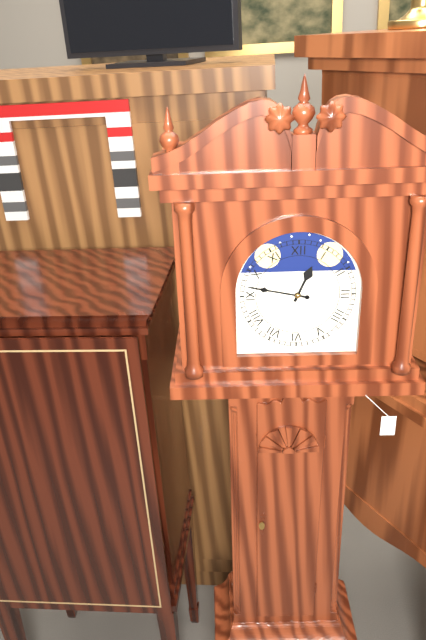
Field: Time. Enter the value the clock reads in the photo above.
12:47
